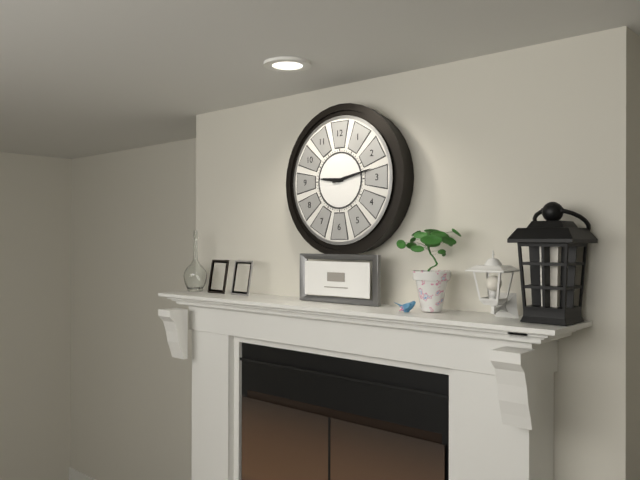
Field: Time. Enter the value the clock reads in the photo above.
9:13
